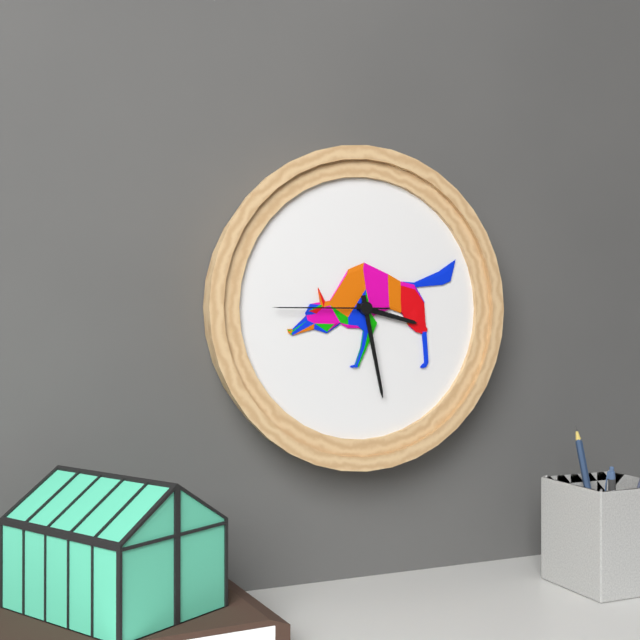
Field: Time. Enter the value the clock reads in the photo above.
3:28:45
